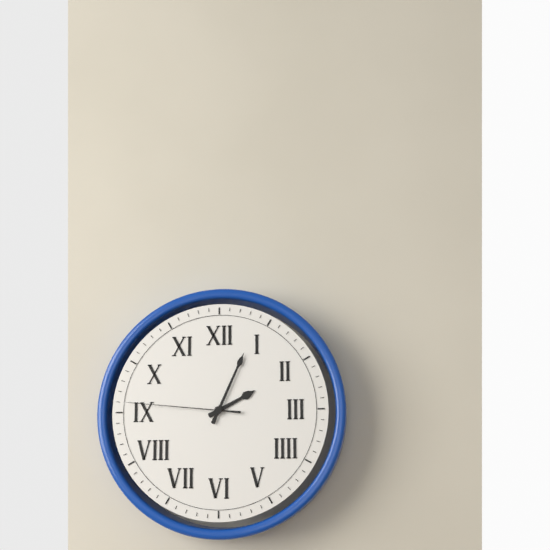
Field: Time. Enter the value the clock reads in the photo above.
2:04:46
